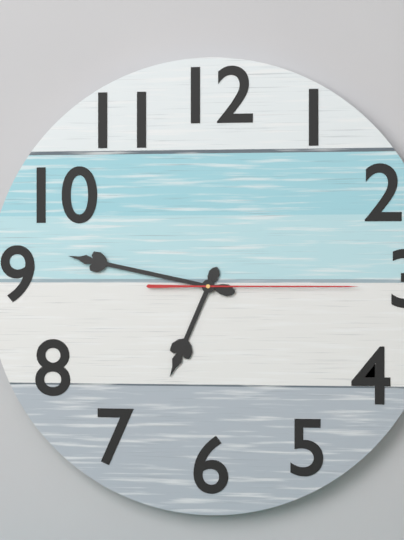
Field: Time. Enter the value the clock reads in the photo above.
6:47:15
